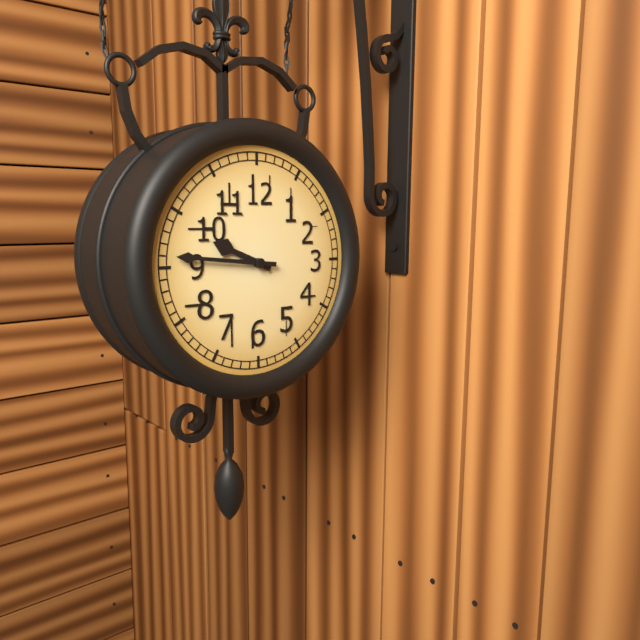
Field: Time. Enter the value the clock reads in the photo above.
9:46
